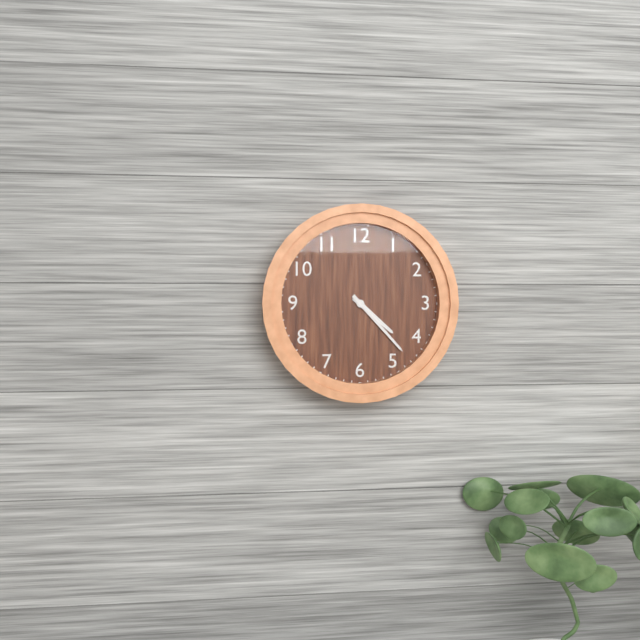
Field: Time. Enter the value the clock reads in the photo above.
4:23
